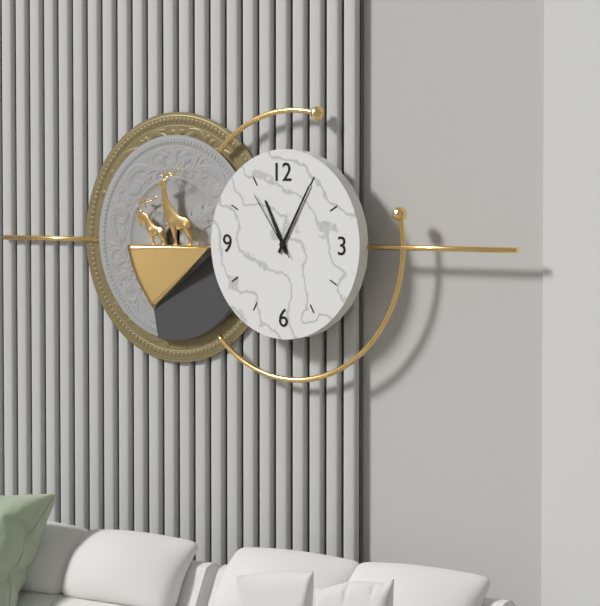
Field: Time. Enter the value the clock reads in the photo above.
11:05:54
